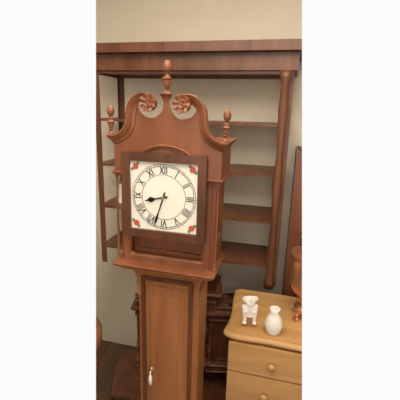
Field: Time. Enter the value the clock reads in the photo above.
8:33
